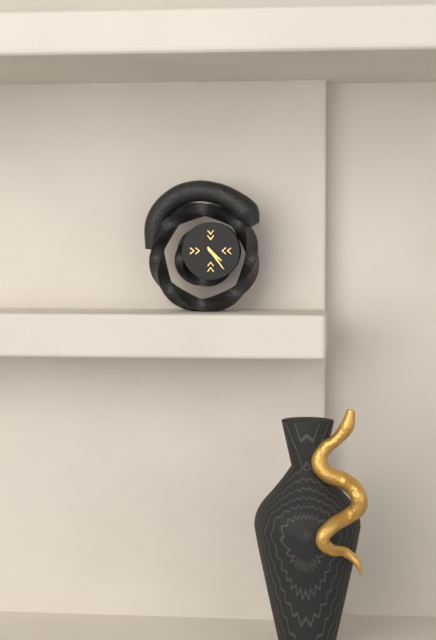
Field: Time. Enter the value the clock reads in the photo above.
4:24
